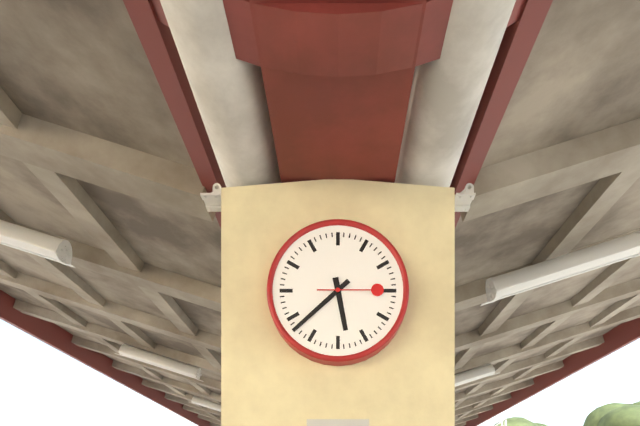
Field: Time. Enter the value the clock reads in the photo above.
5:38:15
